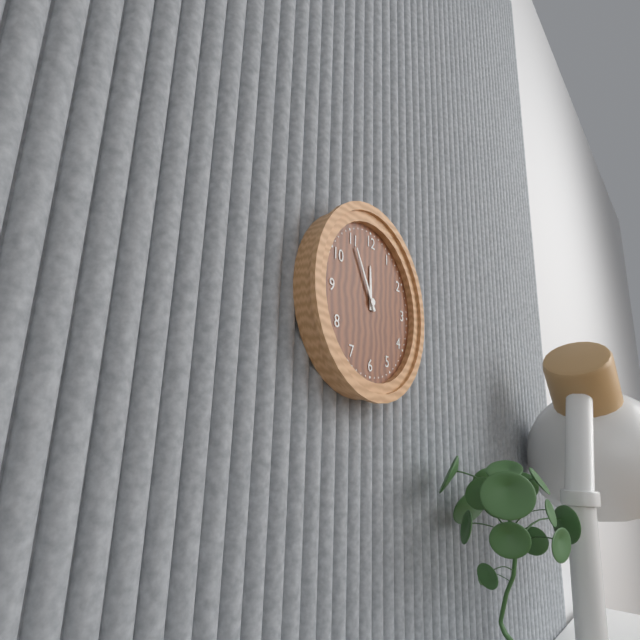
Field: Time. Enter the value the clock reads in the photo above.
11:55
